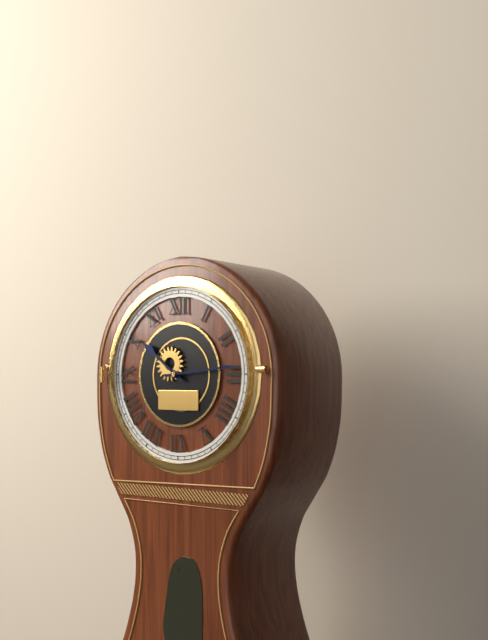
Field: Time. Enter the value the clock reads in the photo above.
10:14
